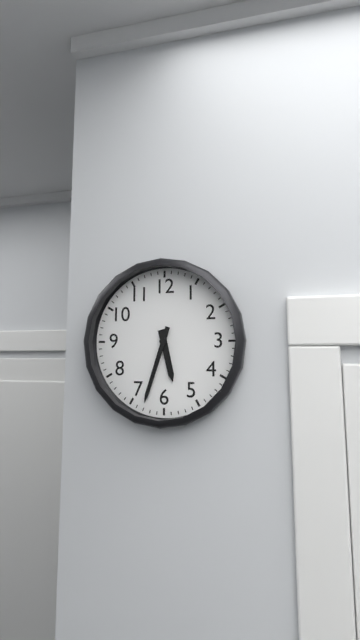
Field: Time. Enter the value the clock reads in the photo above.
5:33
